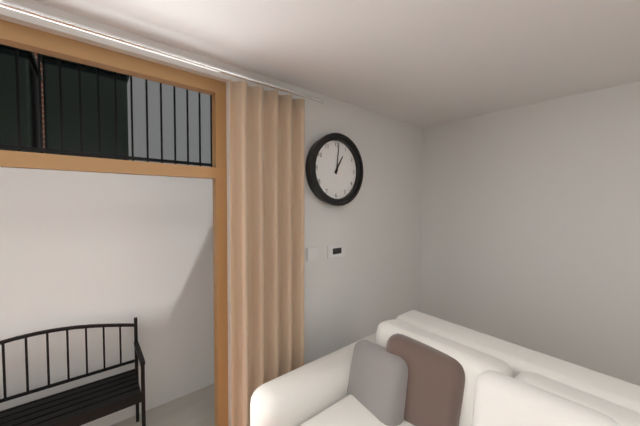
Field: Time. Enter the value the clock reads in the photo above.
1:01
